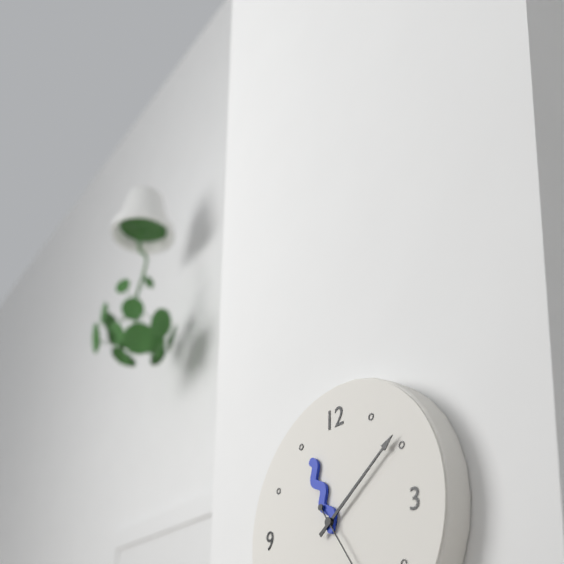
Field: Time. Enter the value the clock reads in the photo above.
11:09
